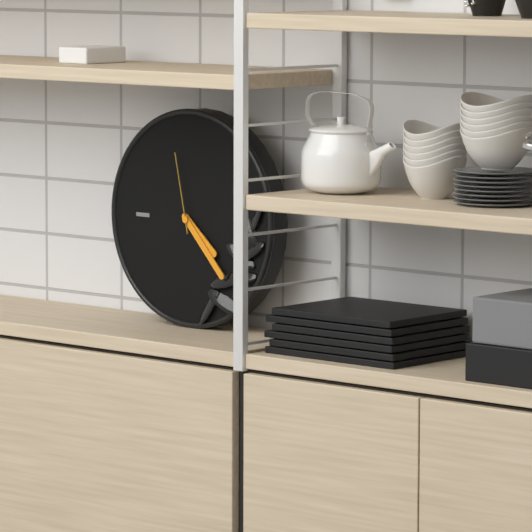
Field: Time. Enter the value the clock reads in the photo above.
4:23:58
